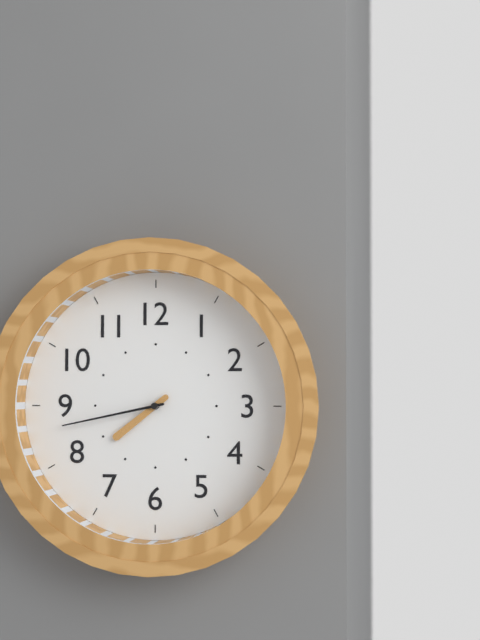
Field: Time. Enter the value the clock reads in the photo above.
7:43
